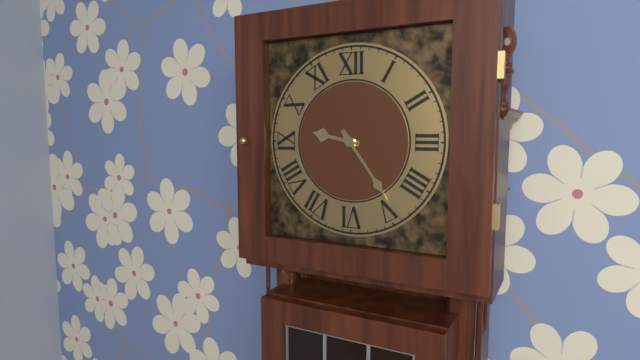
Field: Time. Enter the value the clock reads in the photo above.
9:24
